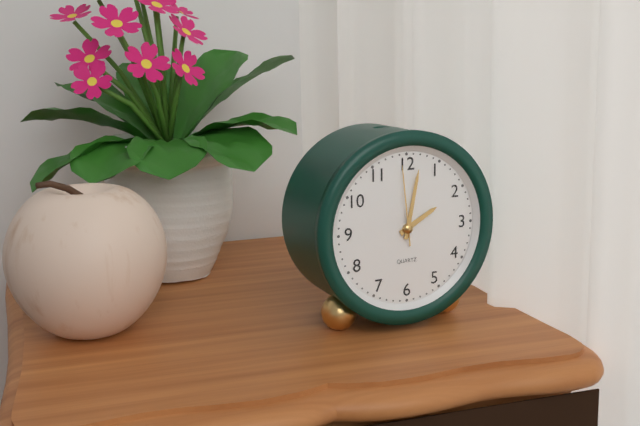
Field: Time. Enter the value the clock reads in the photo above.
2:02:59
